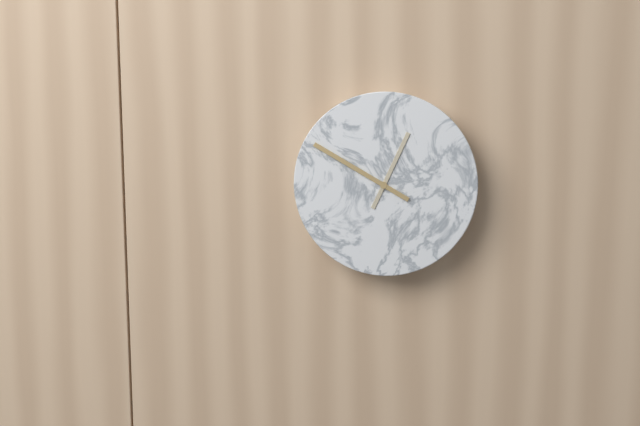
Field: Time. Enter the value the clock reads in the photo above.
12:50
